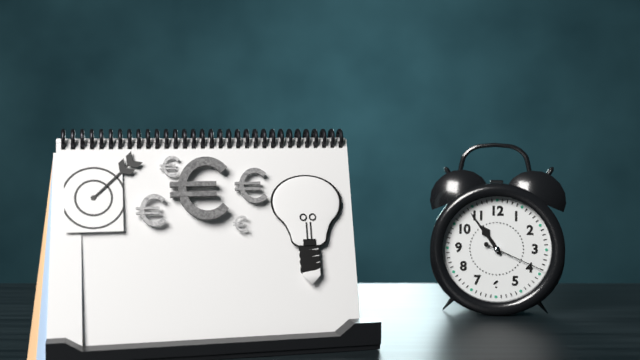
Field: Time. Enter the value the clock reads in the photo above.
10:54:19
